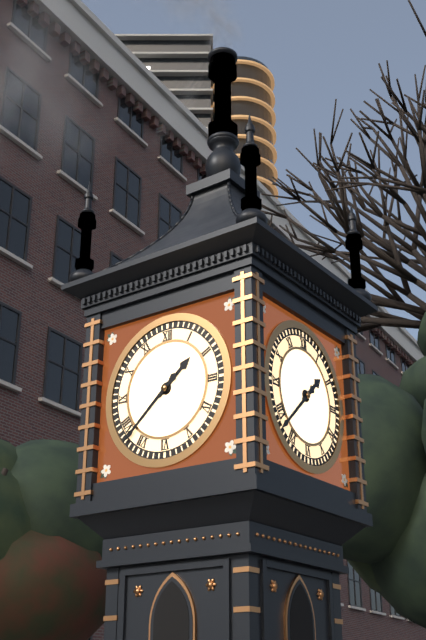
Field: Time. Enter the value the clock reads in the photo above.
1:38
